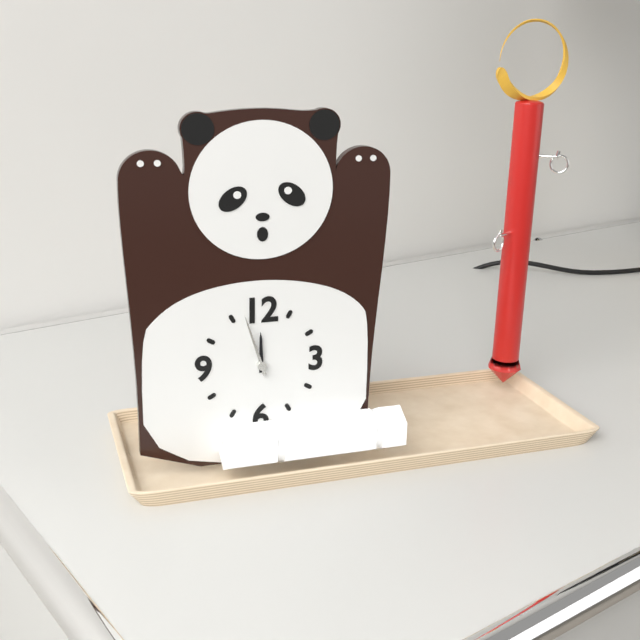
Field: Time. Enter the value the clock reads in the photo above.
11:57
